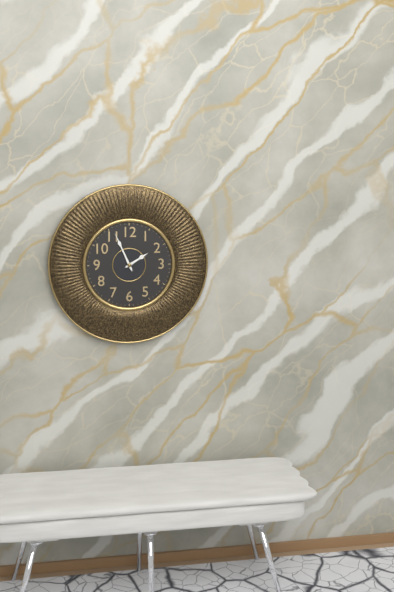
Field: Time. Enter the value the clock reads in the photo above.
1:56
